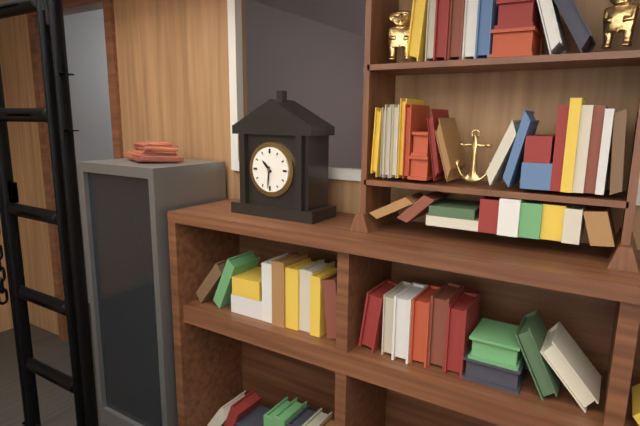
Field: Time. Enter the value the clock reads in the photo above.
10:31
